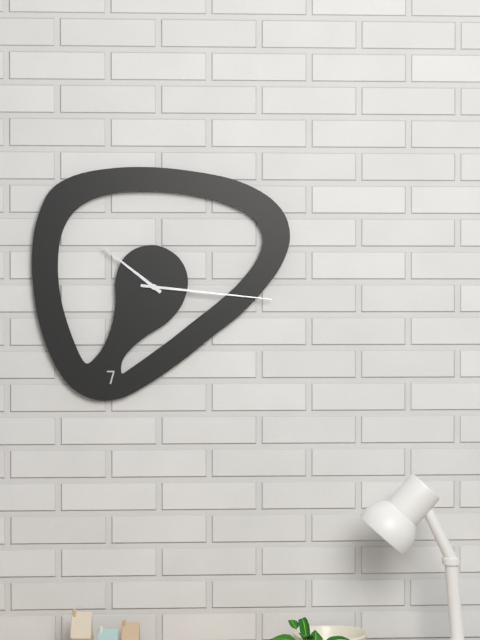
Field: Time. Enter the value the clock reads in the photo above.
10:16
